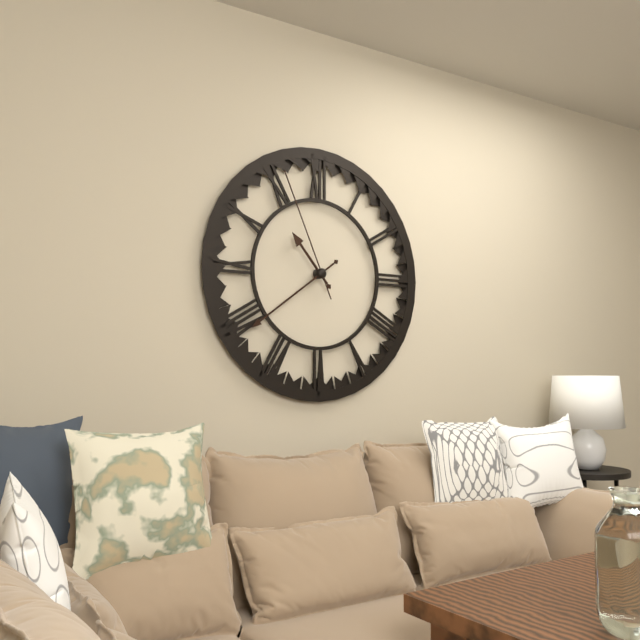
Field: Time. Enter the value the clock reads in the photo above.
10:39:56
